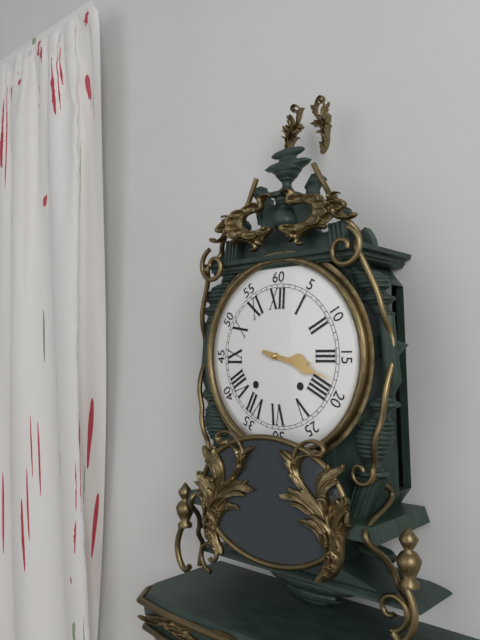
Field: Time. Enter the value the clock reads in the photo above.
3:18
